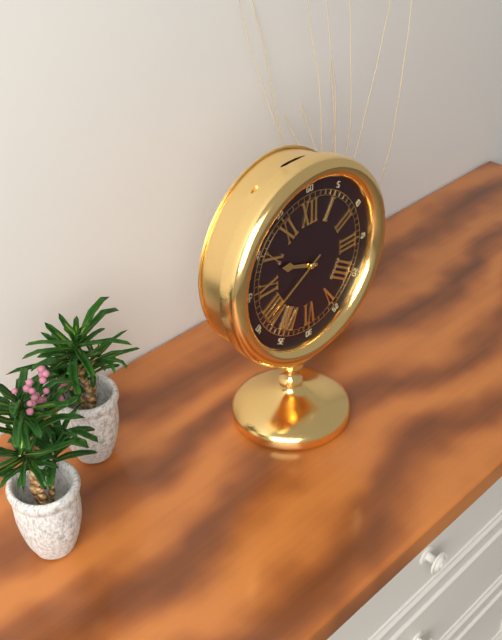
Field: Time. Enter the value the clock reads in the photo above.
9:40
